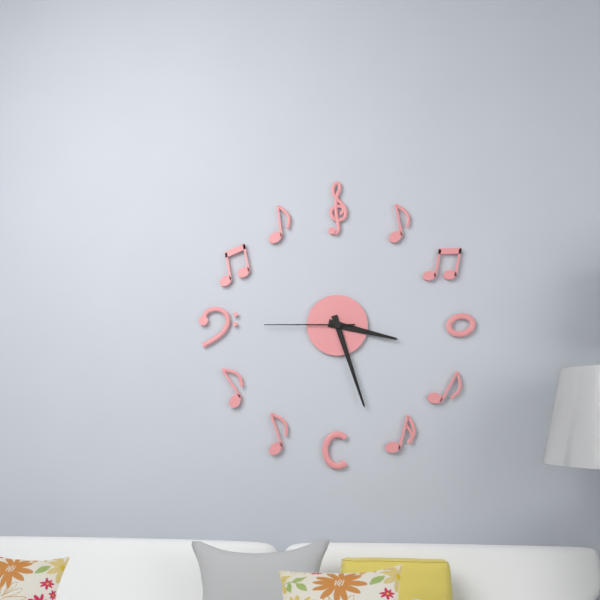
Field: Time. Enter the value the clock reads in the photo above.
3:27:45
